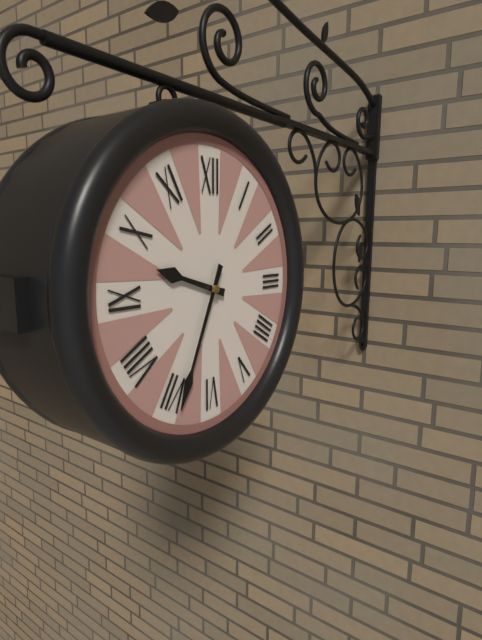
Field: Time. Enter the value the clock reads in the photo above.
9:34
